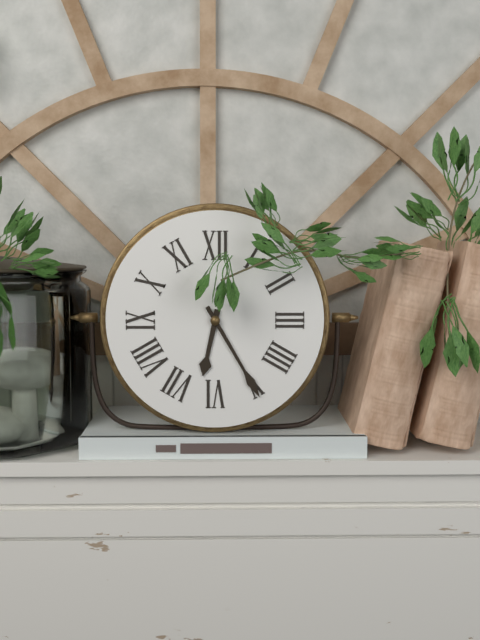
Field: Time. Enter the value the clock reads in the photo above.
6:25
